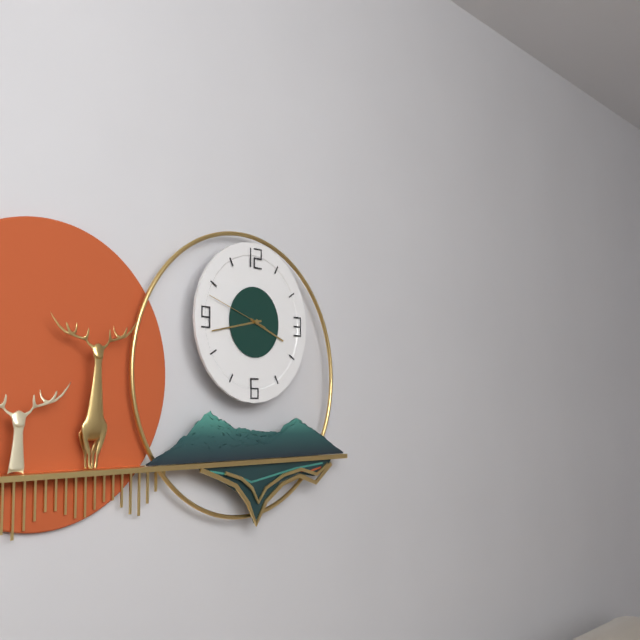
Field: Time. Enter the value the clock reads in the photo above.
3:43:48
